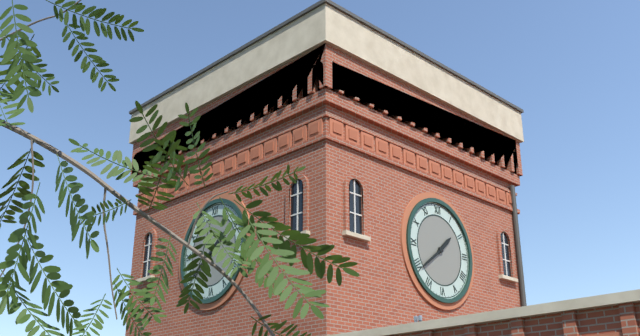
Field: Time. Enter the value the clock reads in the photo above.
1:39
